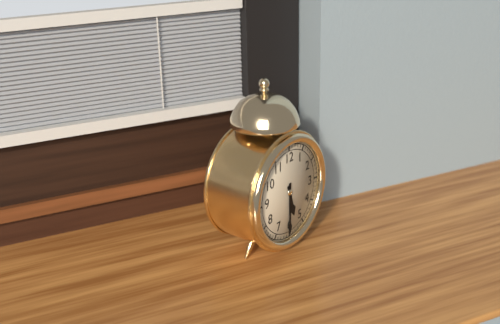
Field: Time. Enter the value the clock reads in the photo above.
5:30
